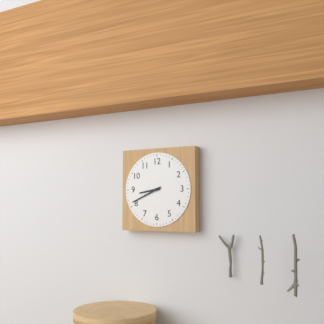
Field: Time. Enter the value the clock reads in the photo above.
8:41
